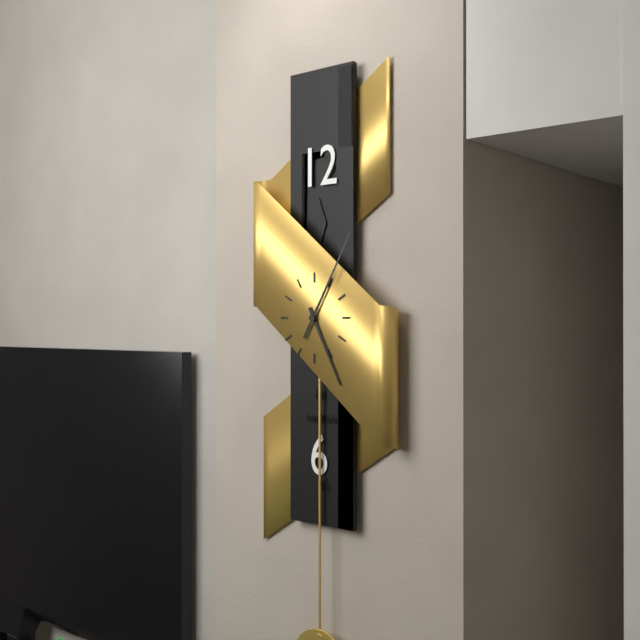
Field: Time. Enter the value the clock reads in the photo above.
5:05
